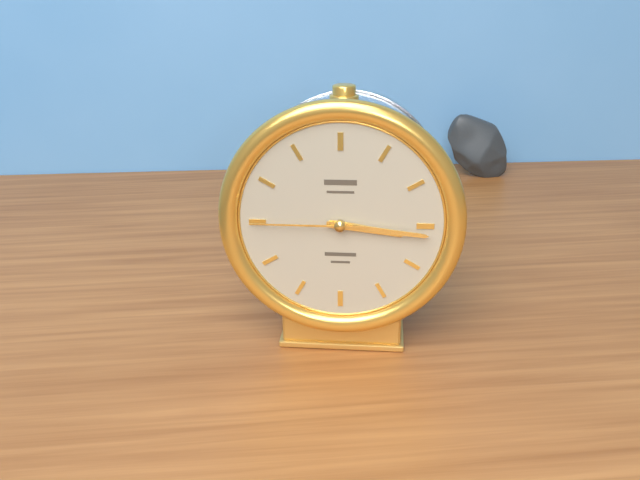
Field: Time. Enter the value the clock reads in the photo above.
3:16:45
